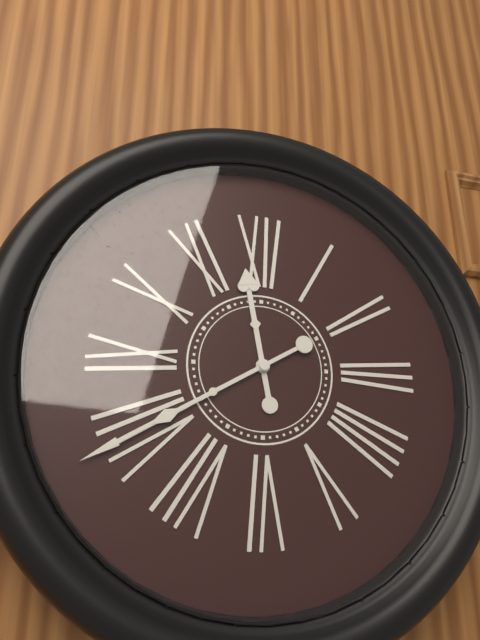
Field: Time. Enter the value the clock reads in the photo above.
11:40
